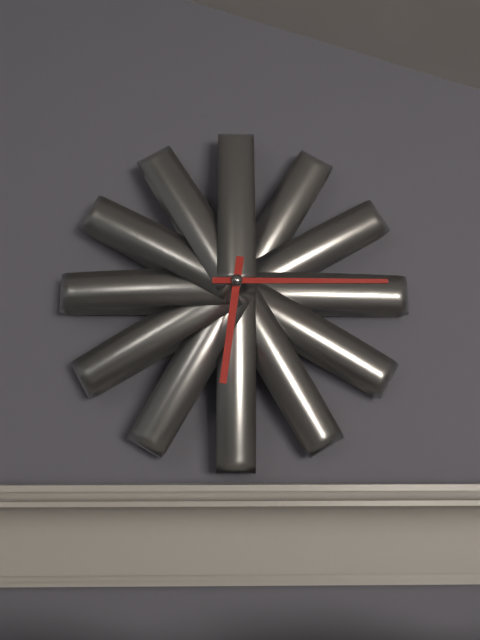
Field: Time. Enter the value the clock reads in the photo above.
6:15
